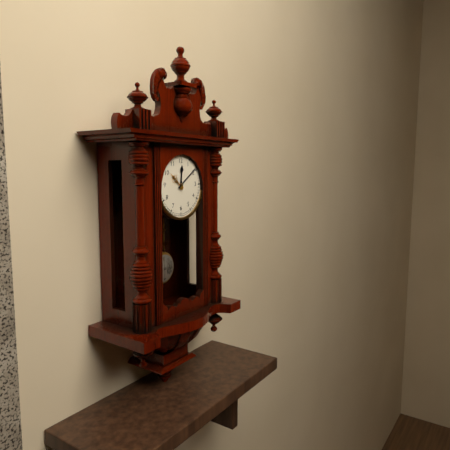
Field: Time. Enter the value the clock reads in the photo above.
12:09
